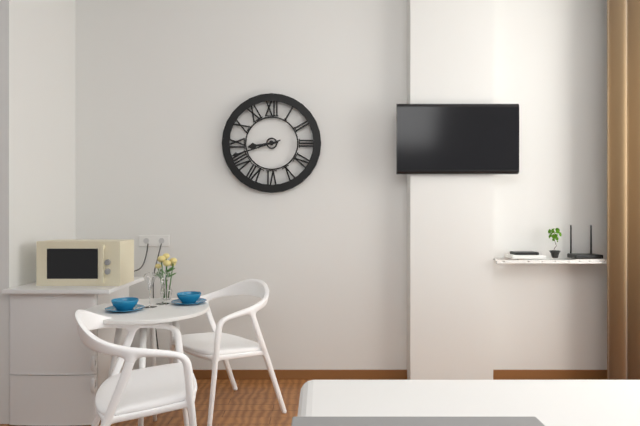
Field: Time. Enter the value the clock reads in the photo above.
8:42
